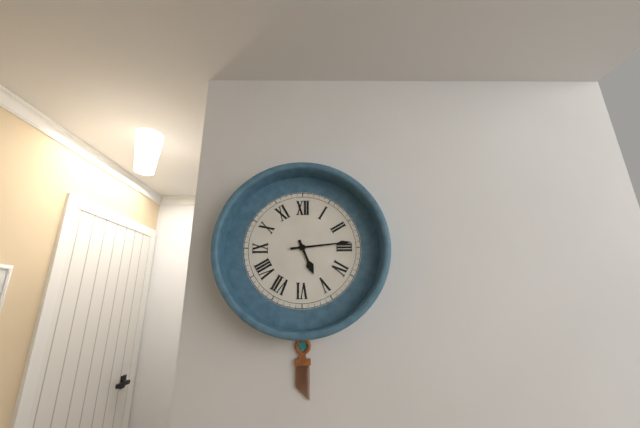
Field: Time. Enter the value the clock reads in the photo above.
5:14
